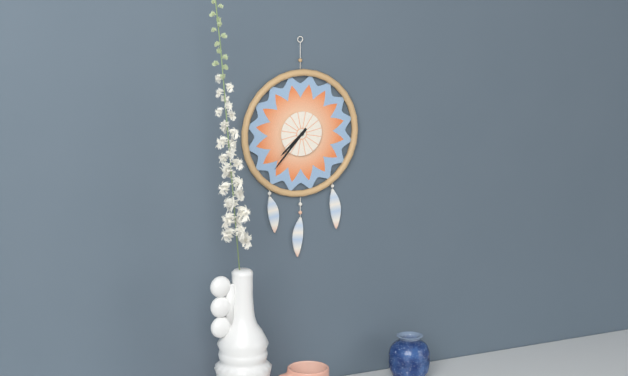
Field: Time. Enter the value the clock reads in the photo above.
7:37
